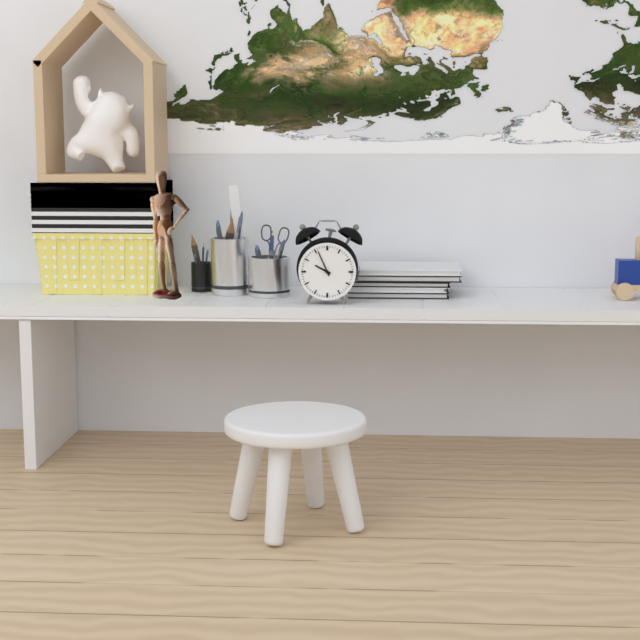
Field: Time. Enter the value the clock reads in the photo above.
9:56
